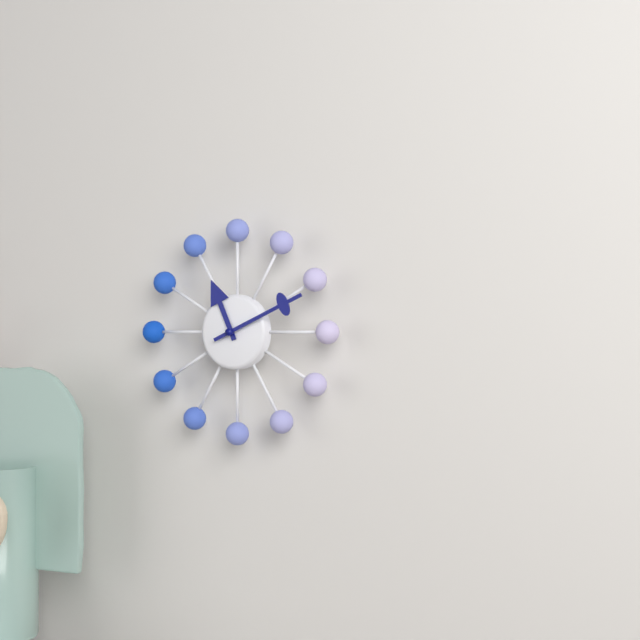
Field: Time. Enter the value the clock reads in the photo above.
11:11
